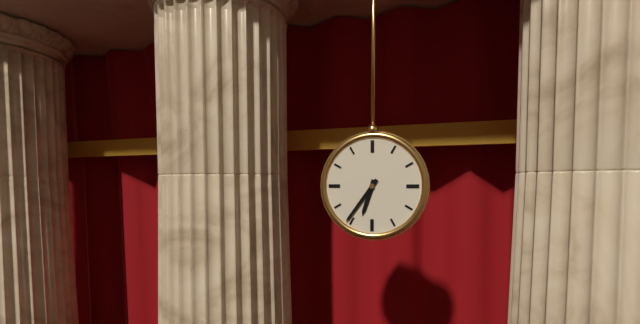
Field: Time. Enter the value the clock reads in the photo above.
6:36
